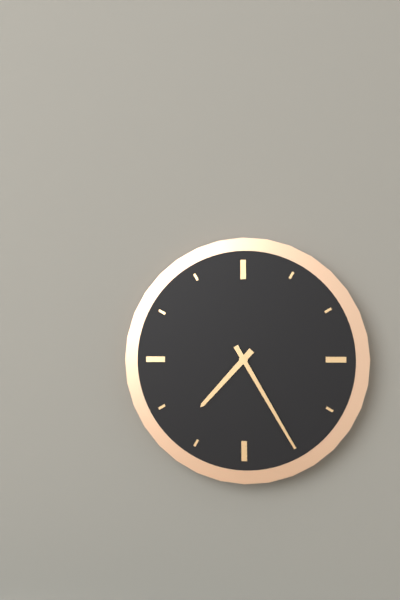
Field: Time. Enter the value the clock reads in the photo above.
7:25
